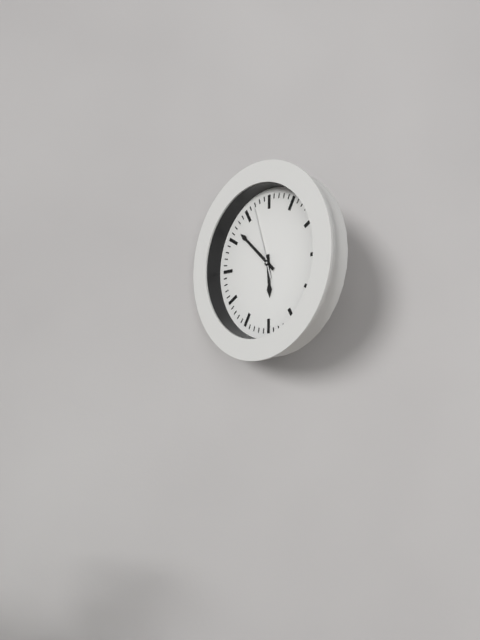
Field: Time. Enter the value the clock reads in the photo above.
5:52:57
